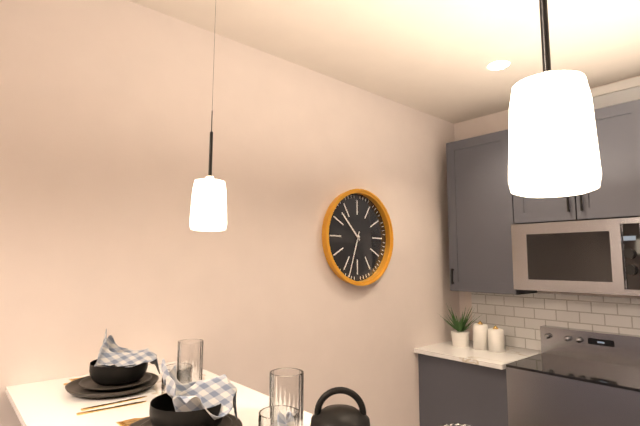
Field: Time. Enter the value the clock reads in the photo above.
10:33
